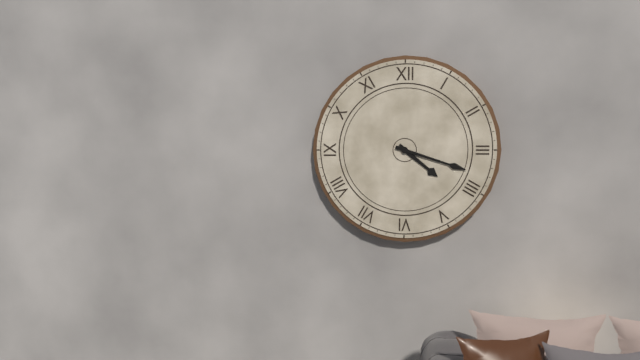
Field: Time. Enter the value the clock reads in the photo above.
4:18
